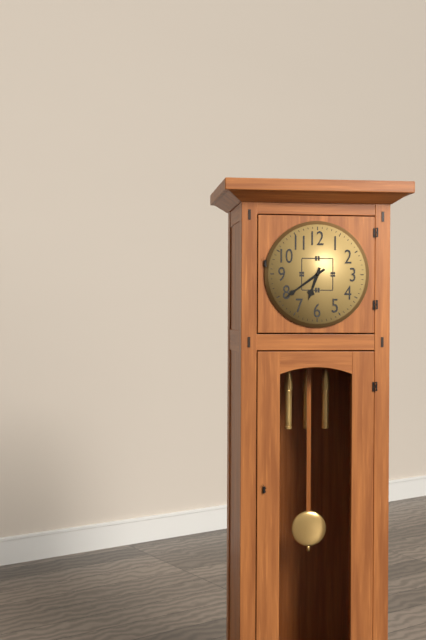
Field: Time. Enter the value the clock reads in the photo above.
6:39
